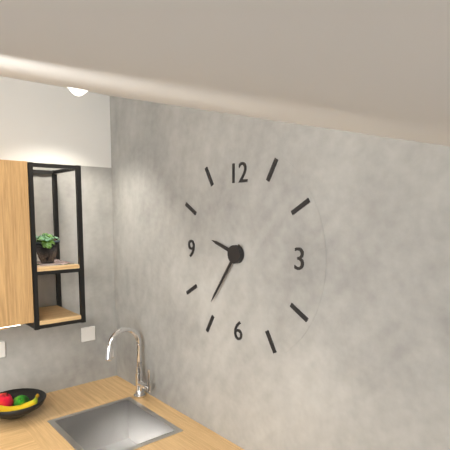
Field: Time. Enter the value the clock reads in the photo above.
9:36
